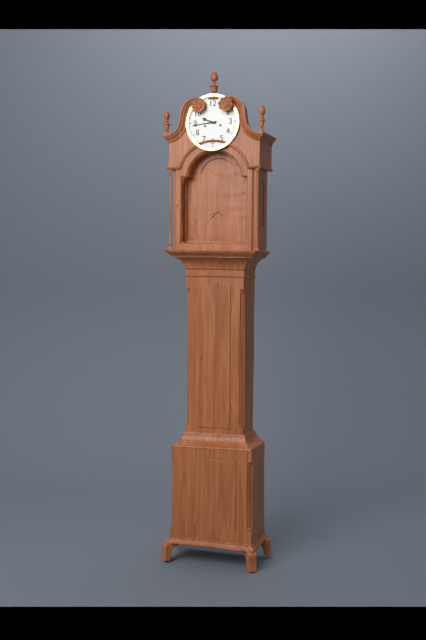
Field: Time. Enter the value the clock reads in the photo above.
9:44
